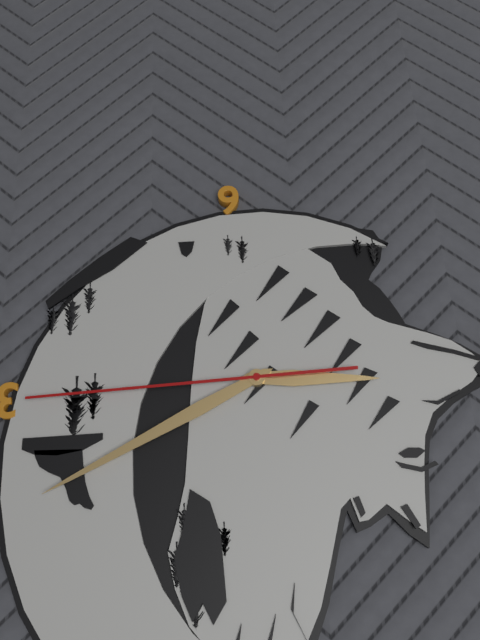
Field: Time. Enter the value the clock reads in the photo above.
9:11:15
